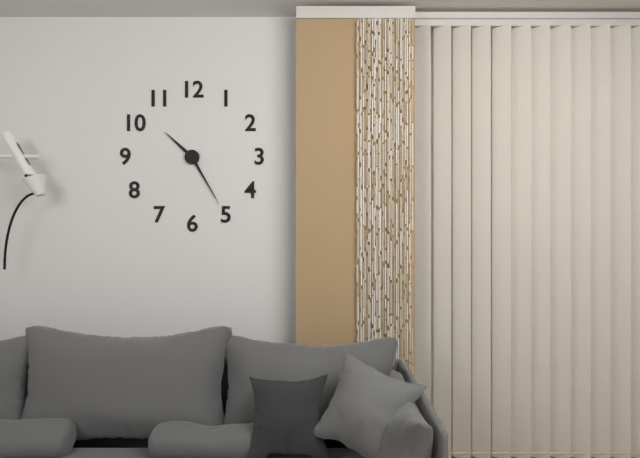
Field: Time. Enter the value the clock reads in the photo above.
10:25
